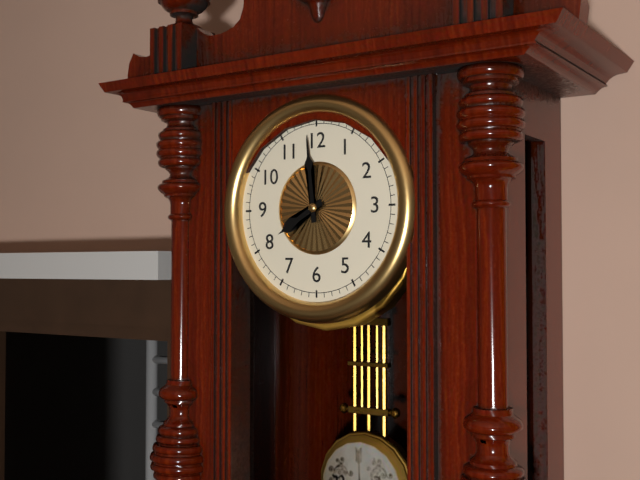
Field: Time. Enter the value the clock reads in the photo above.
7:59
